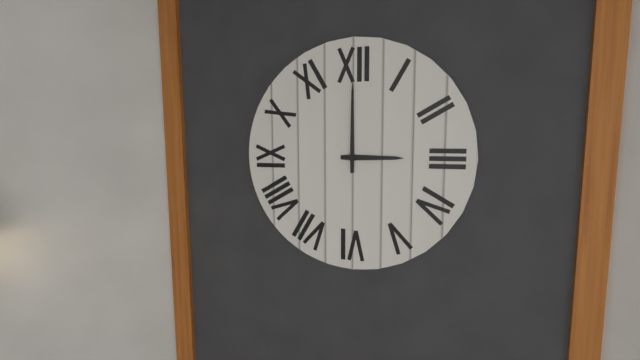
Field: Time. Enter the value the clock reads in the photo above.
3:00
